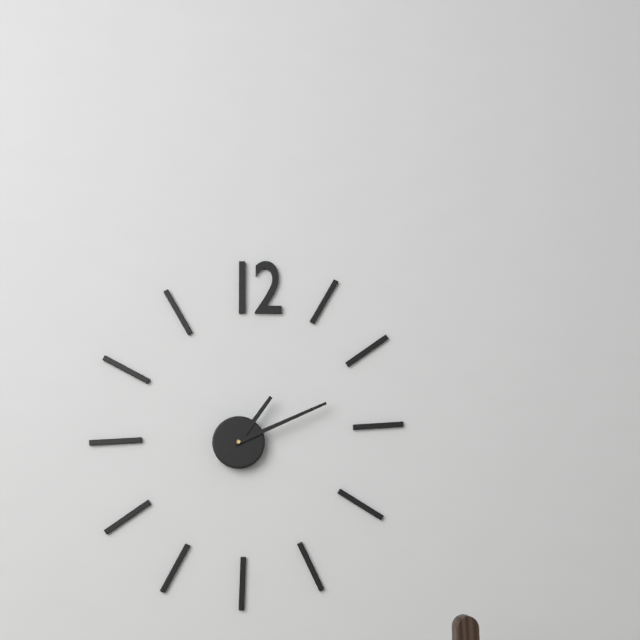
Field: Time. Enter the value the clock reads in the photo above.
1:11
